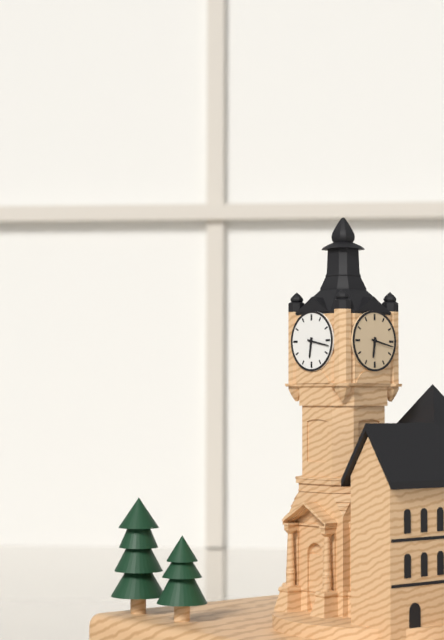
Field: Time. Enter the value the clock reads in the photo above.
6:17
